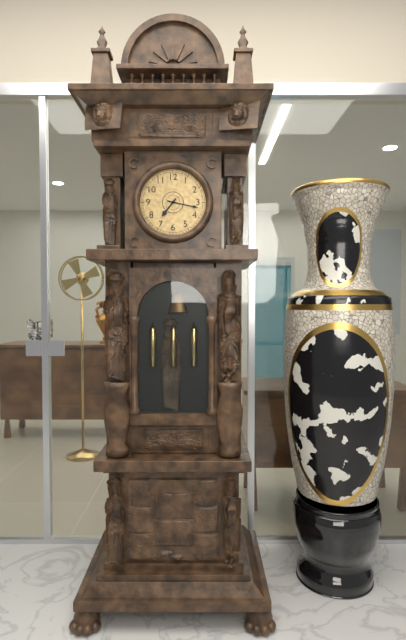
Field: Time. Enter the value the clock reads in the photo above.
7:17
